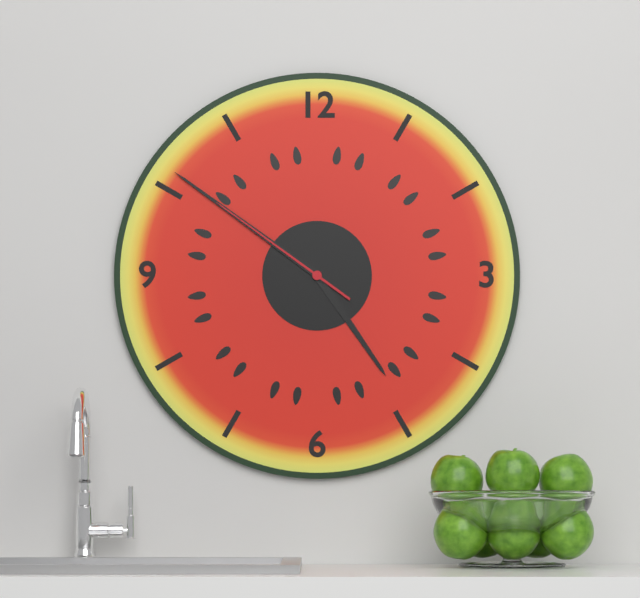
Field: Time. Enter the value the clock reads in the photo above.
4:51:51
